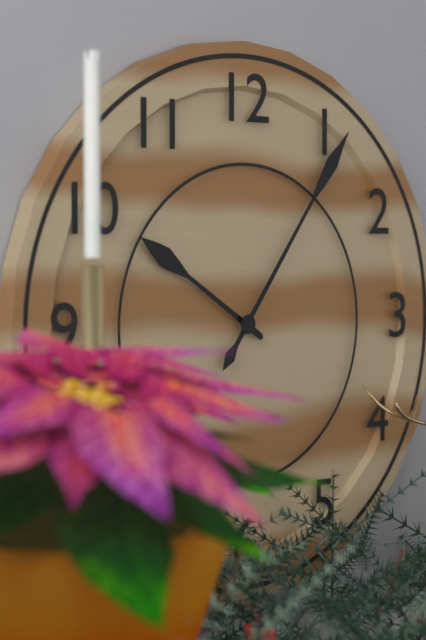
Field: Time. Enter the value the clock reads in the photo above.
10:06
